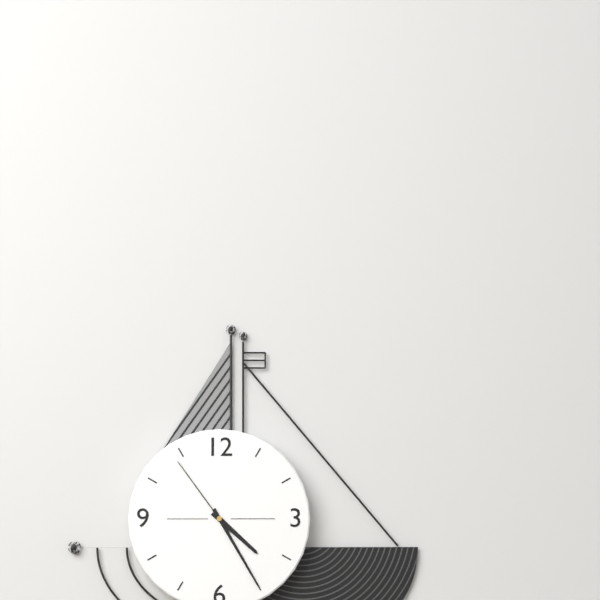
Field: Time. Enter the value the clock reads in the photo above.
4:25:54
